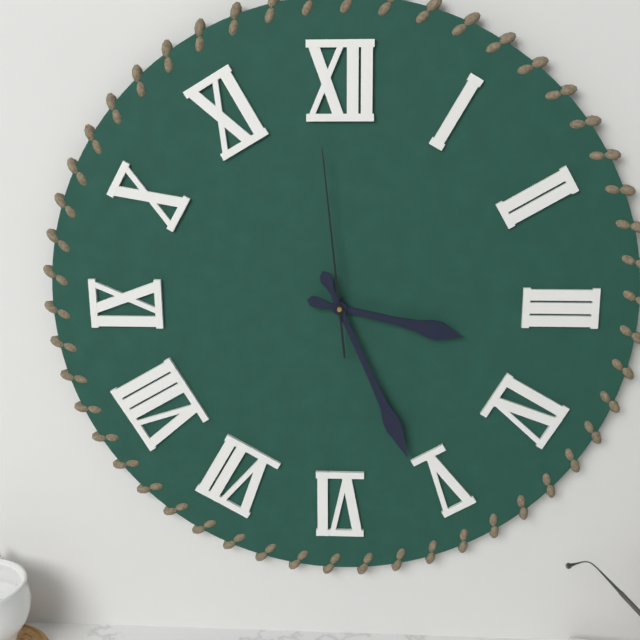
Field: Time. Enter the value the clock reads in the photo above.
3:26:59
